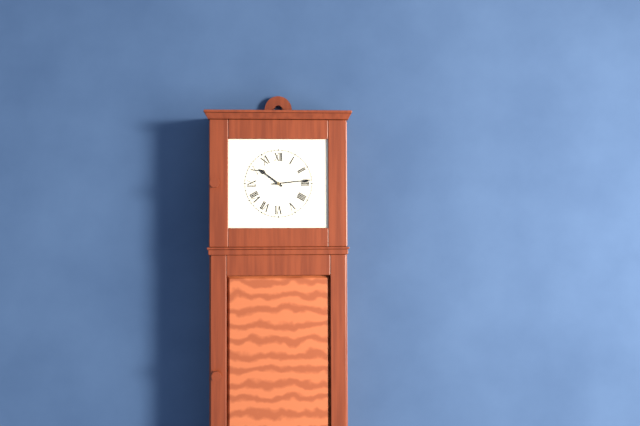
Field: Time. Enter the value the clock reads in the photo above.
10:14
